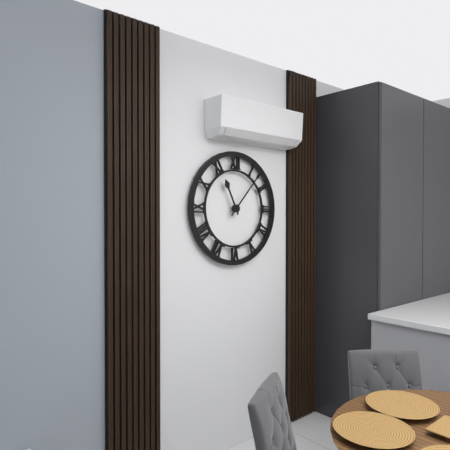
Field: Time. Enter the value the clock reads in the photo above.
11:07
